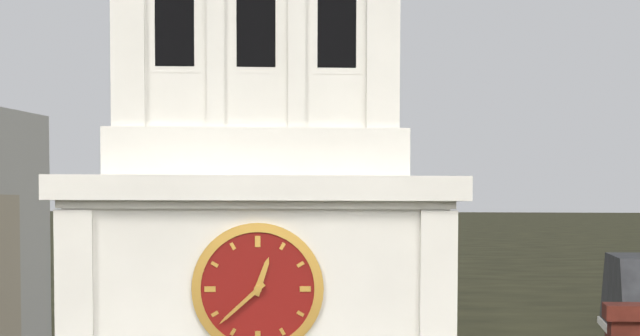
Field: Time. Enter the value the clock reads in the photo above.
12:38
